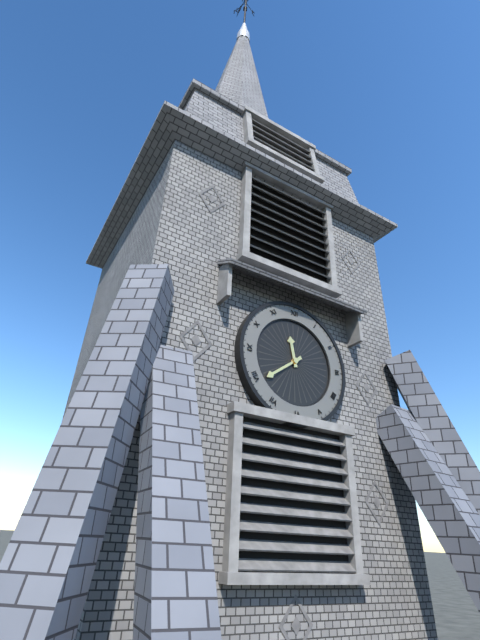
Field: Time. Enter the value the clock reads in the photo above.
11:39
